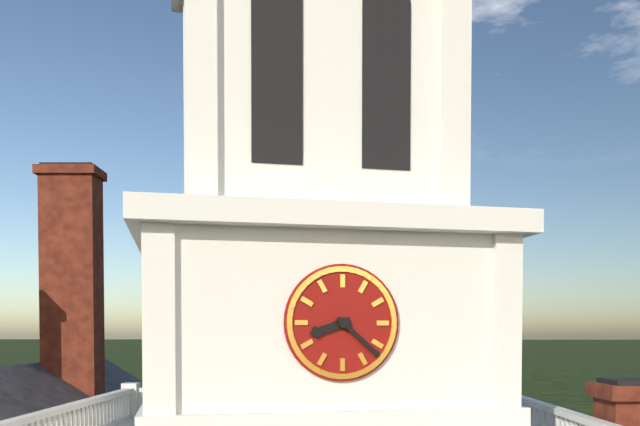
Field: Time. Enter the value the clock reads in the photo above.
8:22
